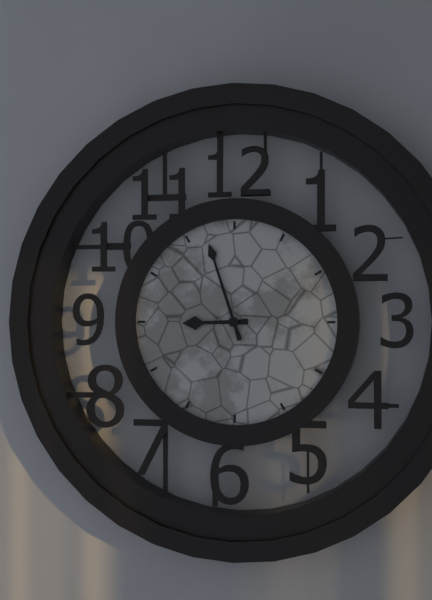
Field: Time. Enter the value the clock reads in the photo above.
8:57
